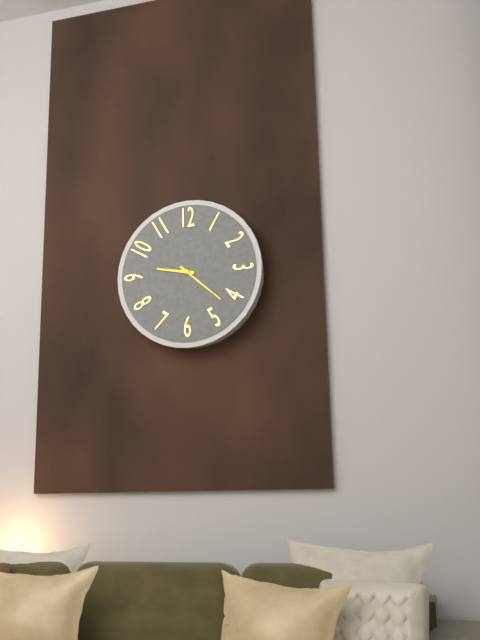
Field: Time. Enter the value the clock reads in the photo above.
9:22
